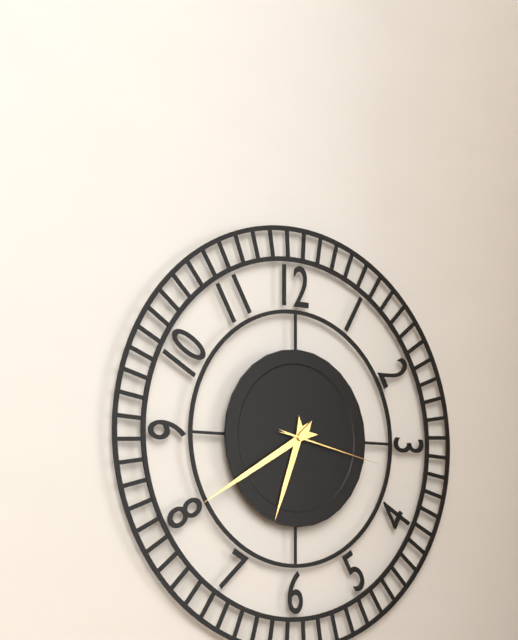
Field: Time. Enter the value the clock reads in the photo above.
6:40:17
